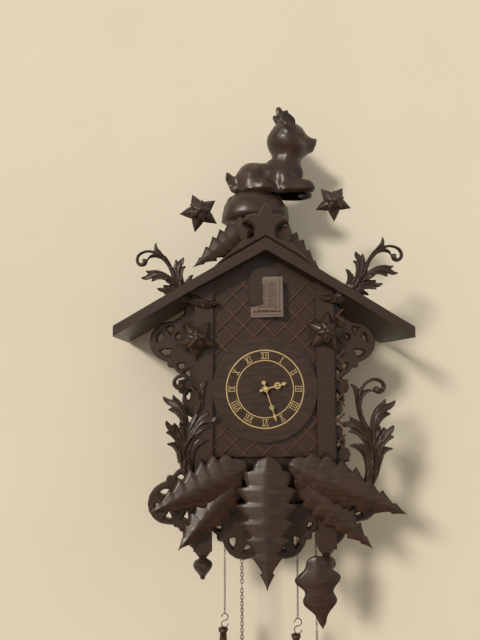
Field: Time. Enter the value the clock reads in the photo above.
2:27
